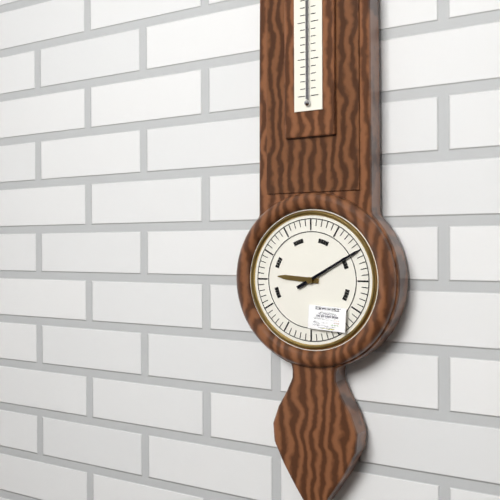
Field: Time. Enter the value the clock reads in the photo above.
9:10
